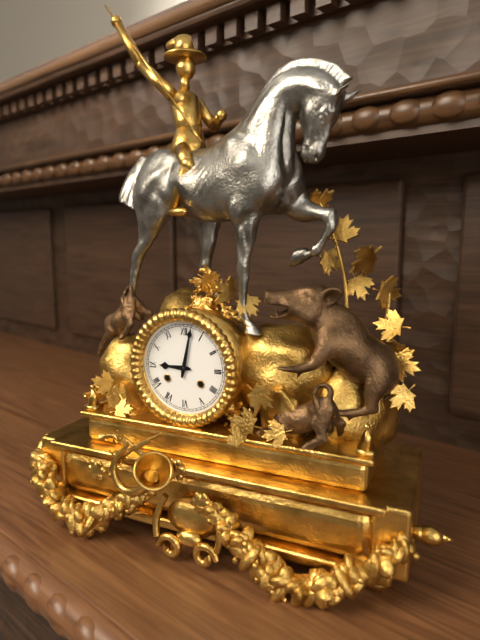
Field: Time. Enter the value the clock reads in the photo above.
9:02
